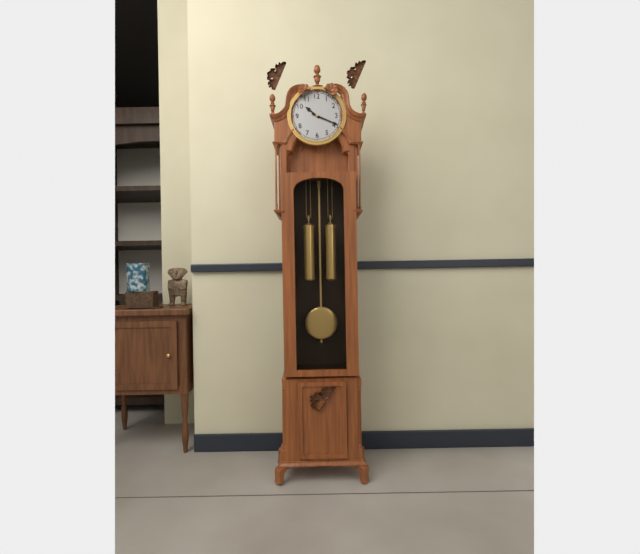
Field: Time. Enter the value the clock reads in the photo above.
10:19
